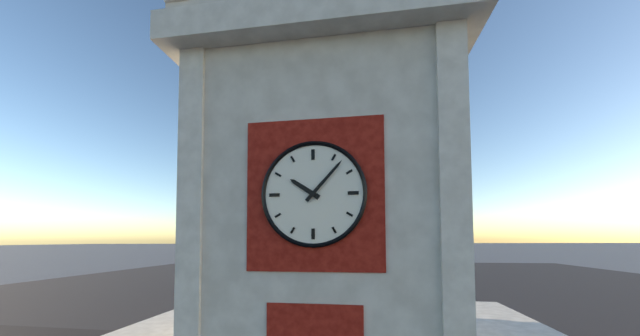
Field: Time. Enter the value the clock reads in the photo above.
10:07
